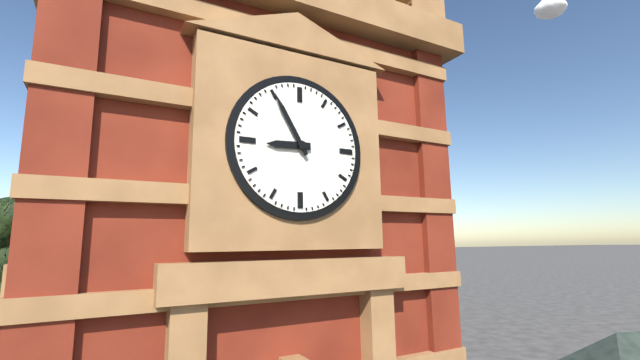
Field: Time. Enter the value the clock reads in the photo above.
8:55
